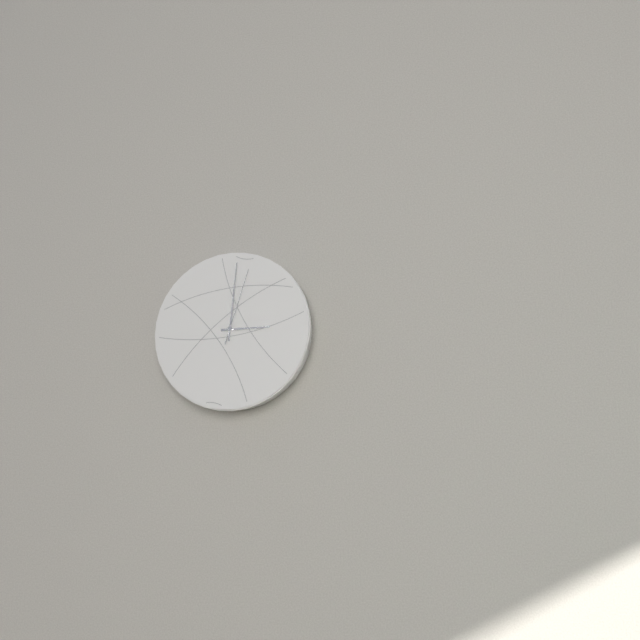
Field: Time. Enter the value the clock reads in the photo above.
3:01:03
